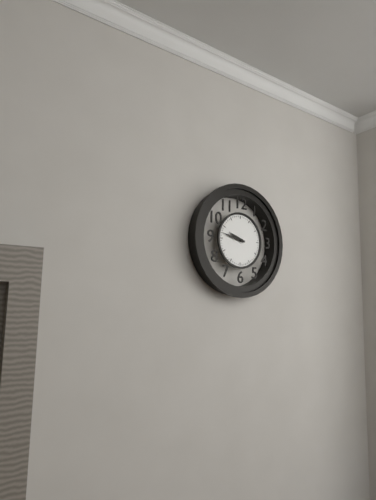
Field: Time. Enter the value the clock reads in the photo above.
9:47
